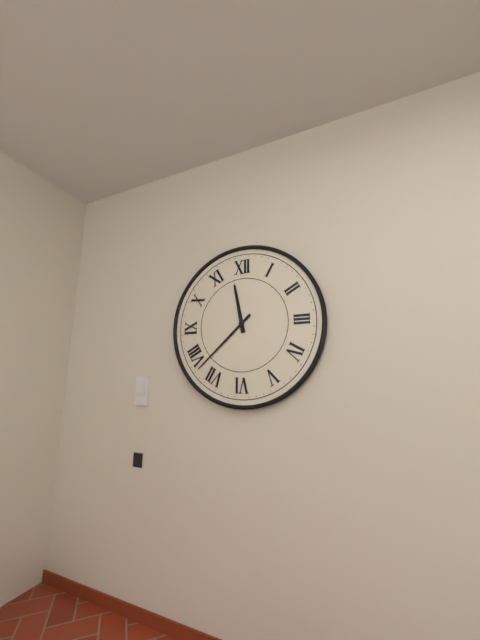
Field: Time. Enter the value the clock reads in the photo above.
11:38
